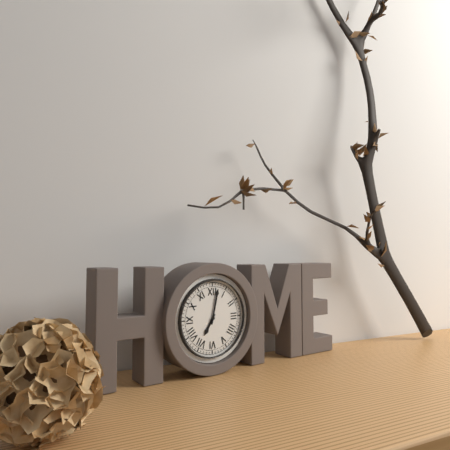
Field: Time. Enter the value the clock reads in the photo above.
7:02
